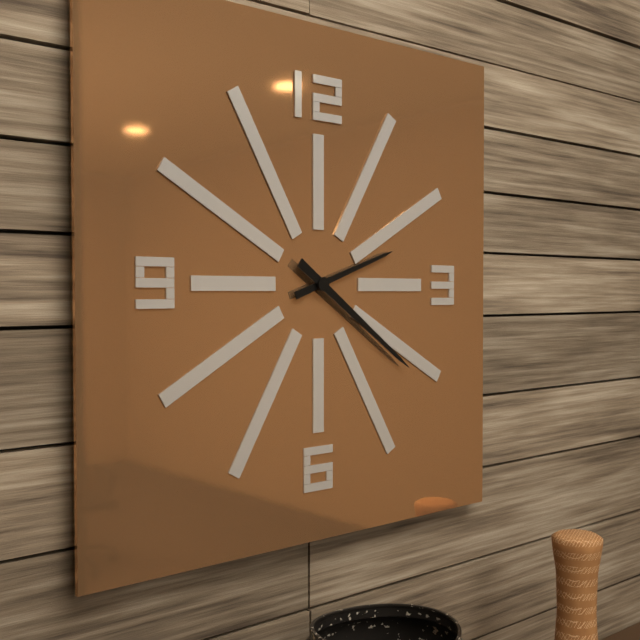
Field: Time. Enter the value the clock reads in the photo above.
2:21
